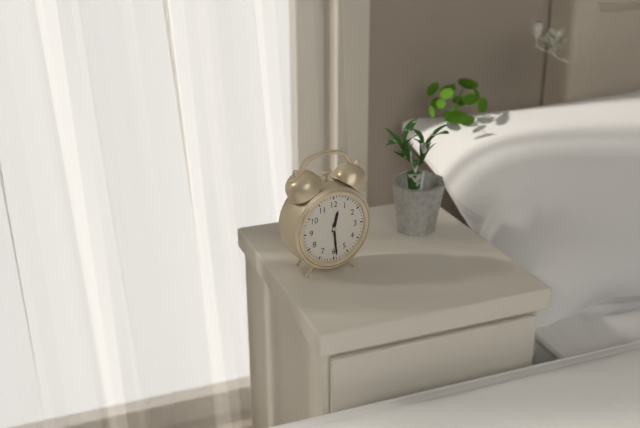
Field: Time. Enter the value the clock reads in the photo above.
12:29
